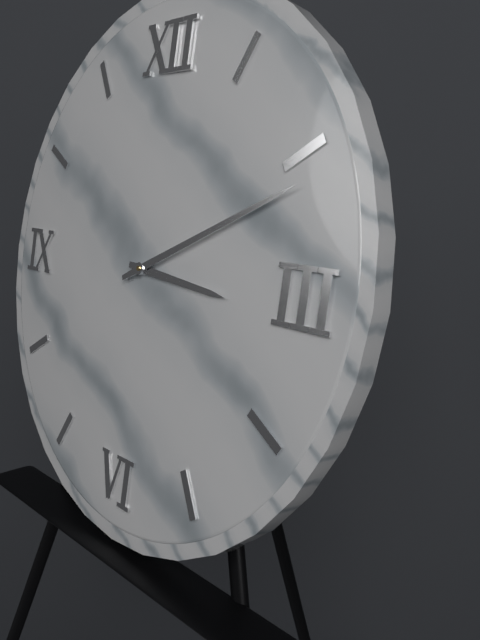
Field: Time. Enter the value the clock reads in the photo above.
3:11
